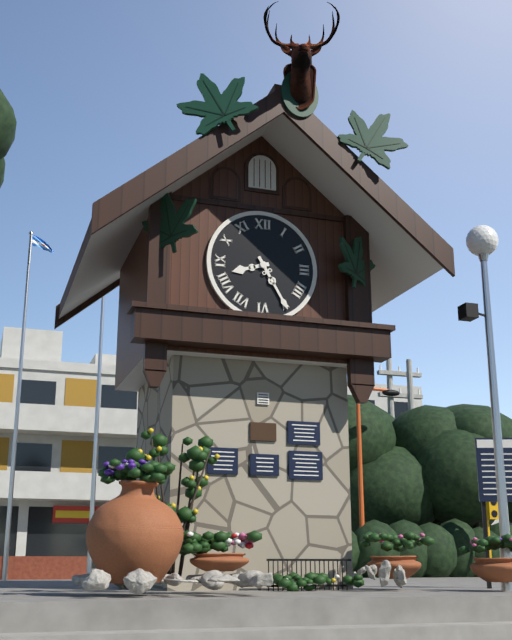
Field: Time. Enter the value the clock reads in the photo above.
8:25
